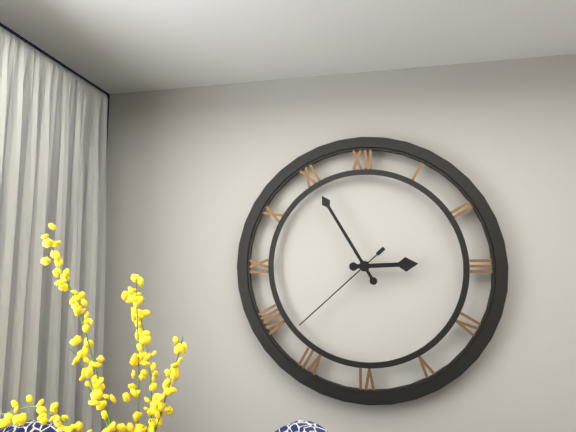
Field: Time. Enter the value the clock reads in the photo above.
2:55:38
